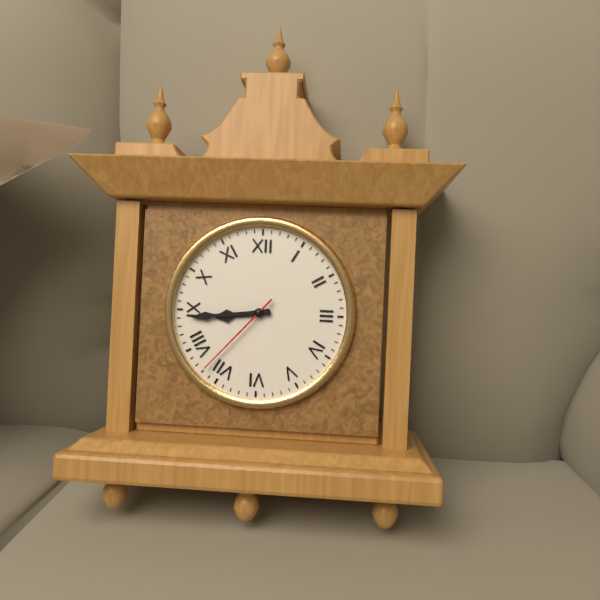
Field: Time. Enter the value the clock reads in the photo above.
8:44:37
